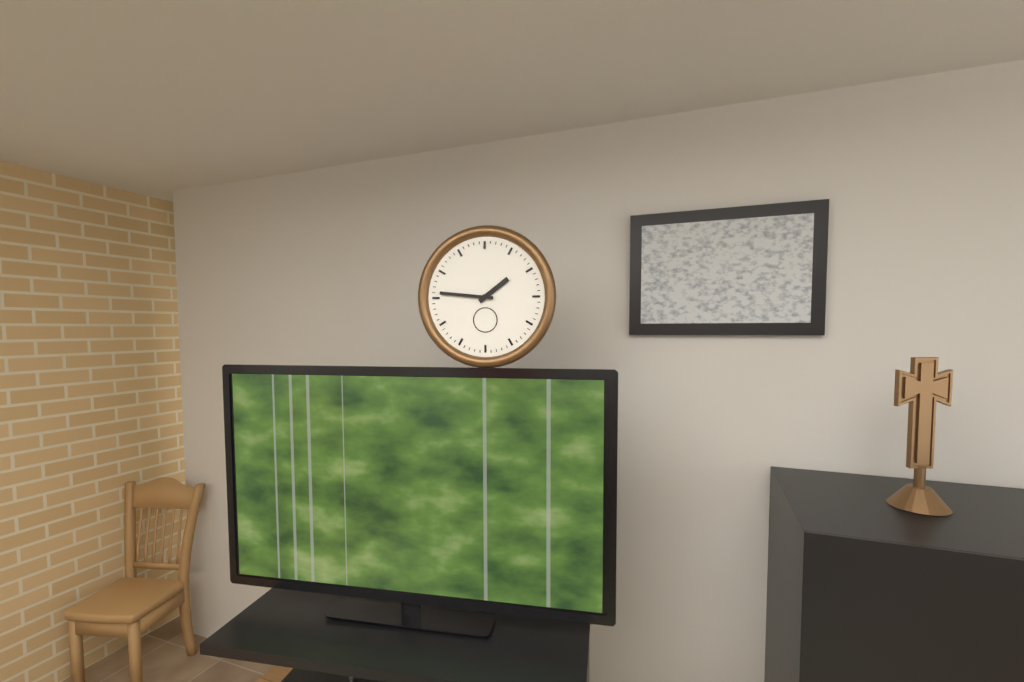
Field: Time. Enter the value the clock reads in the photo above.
1:46
